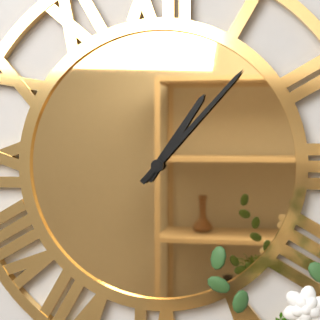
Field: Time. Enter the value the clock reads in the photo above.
1:07
